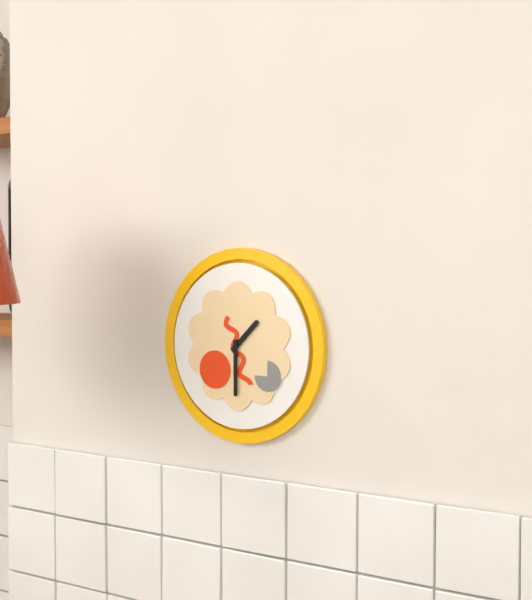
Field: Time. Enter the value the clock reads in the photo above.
1:30
